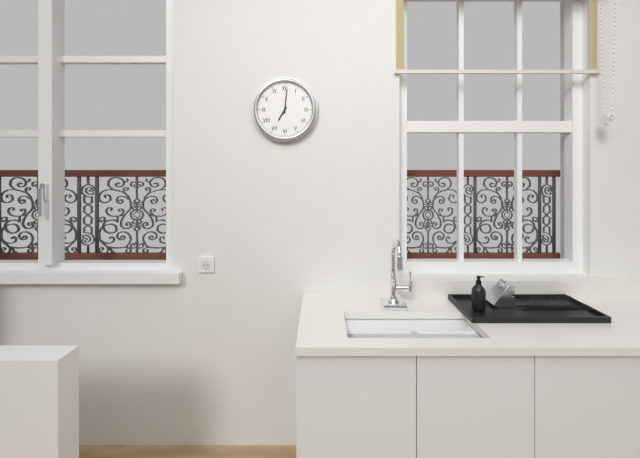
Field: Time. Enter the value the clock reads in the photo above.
7:01
